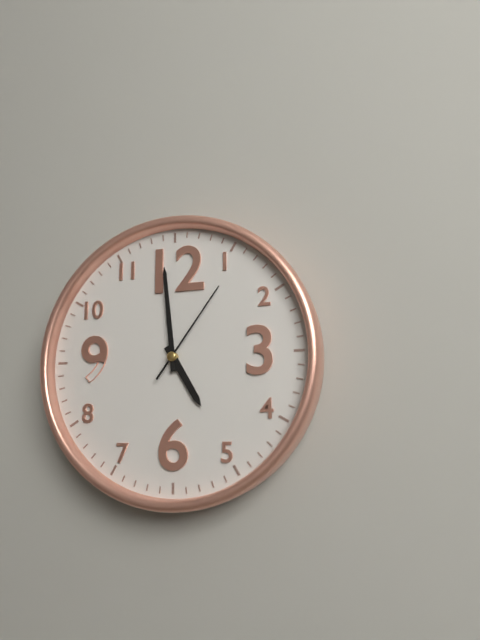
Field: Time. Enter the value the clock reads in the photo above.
4:59:06
